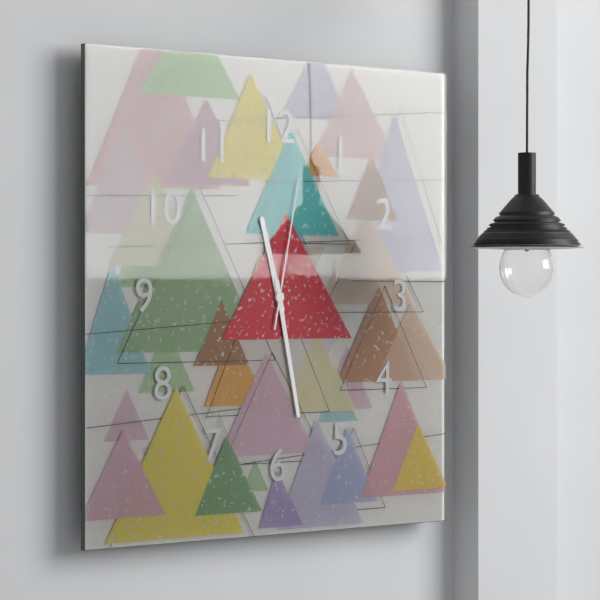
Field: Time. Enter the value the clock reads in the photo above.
11:28:02
